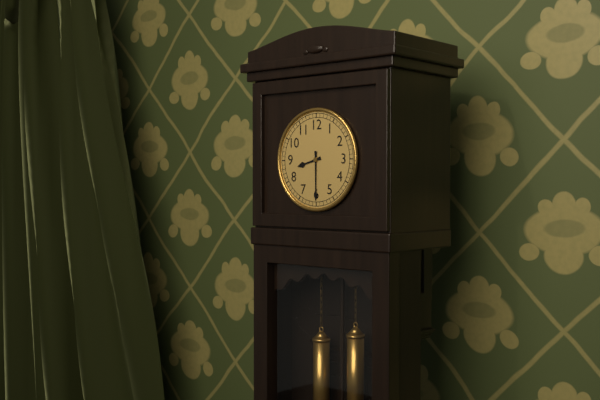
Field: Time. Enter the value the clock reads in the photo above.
8:30
